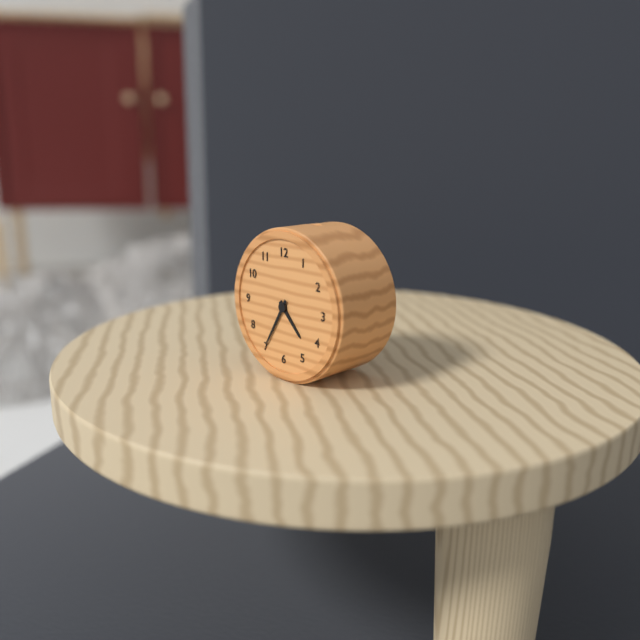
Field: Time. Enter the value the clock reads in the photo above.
4:35
